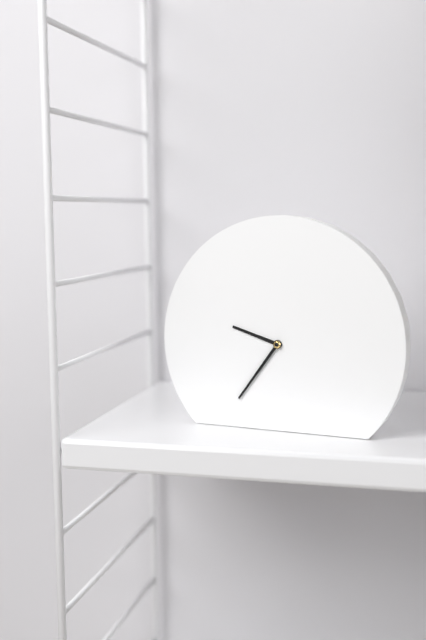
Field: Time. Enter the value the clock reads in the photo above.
9:36
